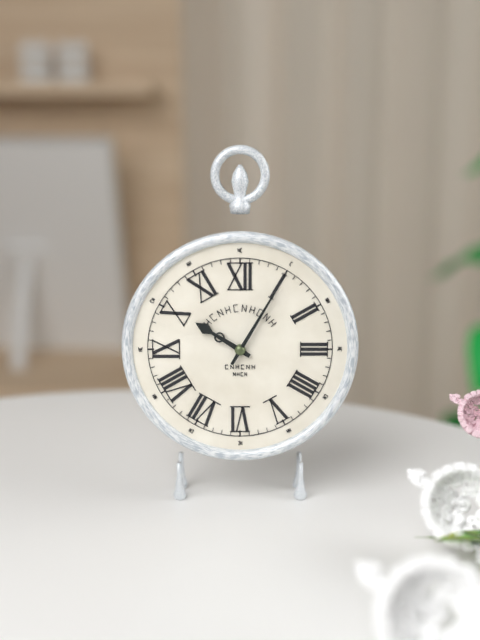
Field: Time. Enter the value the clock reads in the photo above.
10:05
